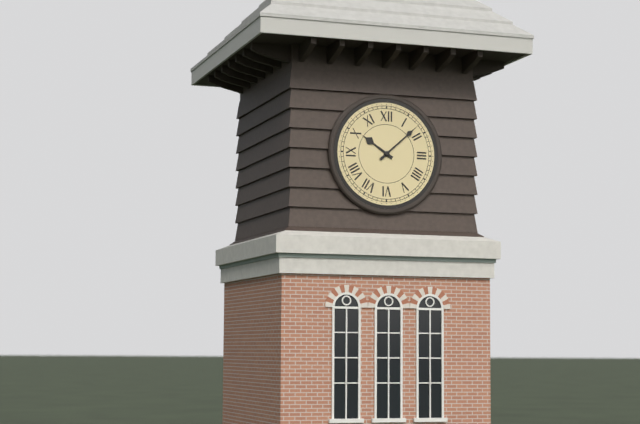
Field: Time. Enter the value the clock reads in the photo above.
10:08
